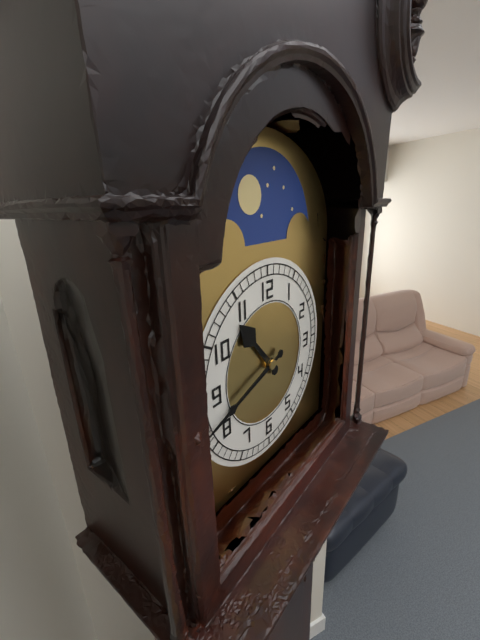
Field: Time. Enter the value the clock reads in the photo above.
10:42
